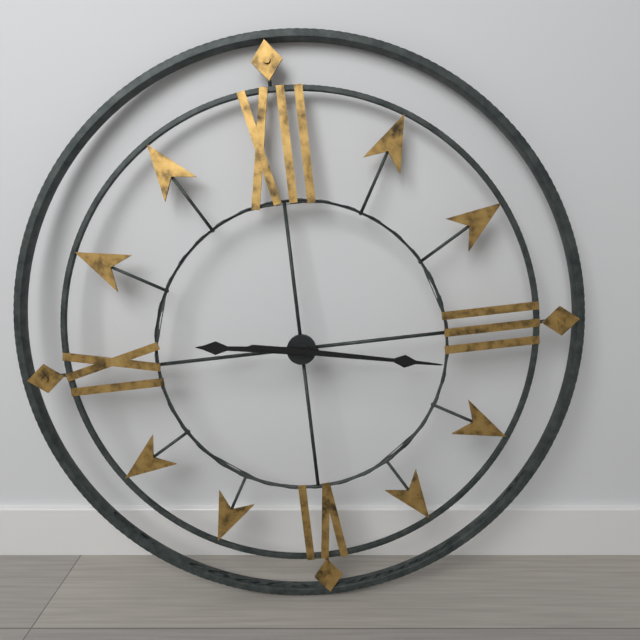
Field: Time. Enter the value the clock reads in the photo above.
9:17
